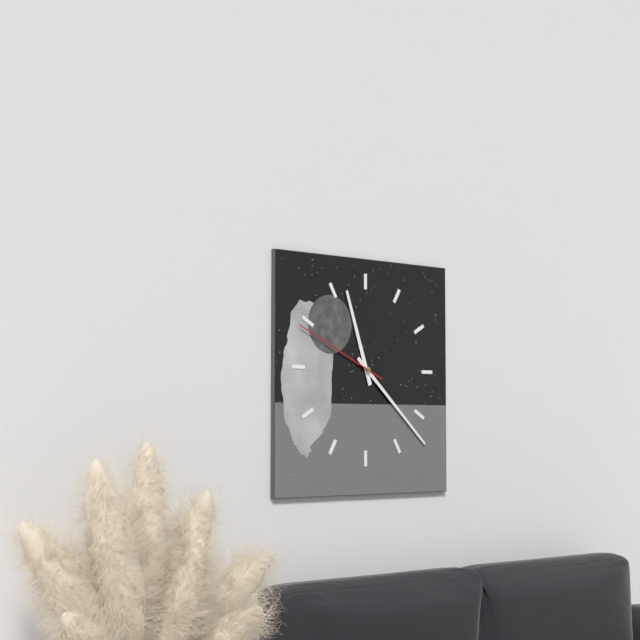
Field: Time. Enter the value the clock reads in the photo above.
11:22:49
